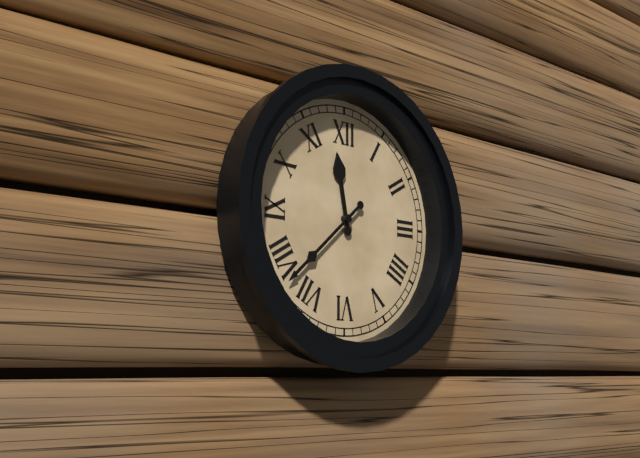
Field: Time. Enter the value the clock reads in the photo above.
11:38
